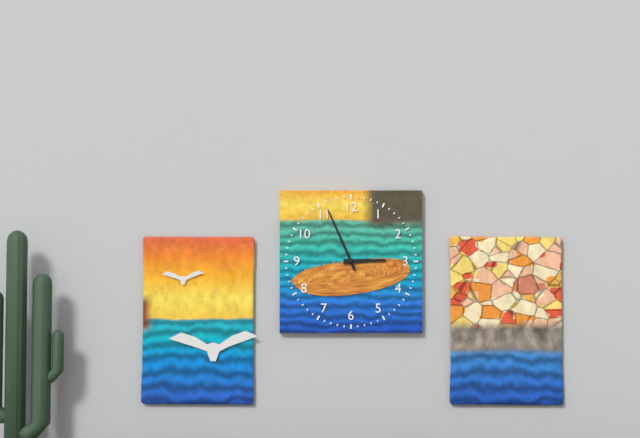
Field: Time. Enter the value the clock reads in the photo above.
2:56
